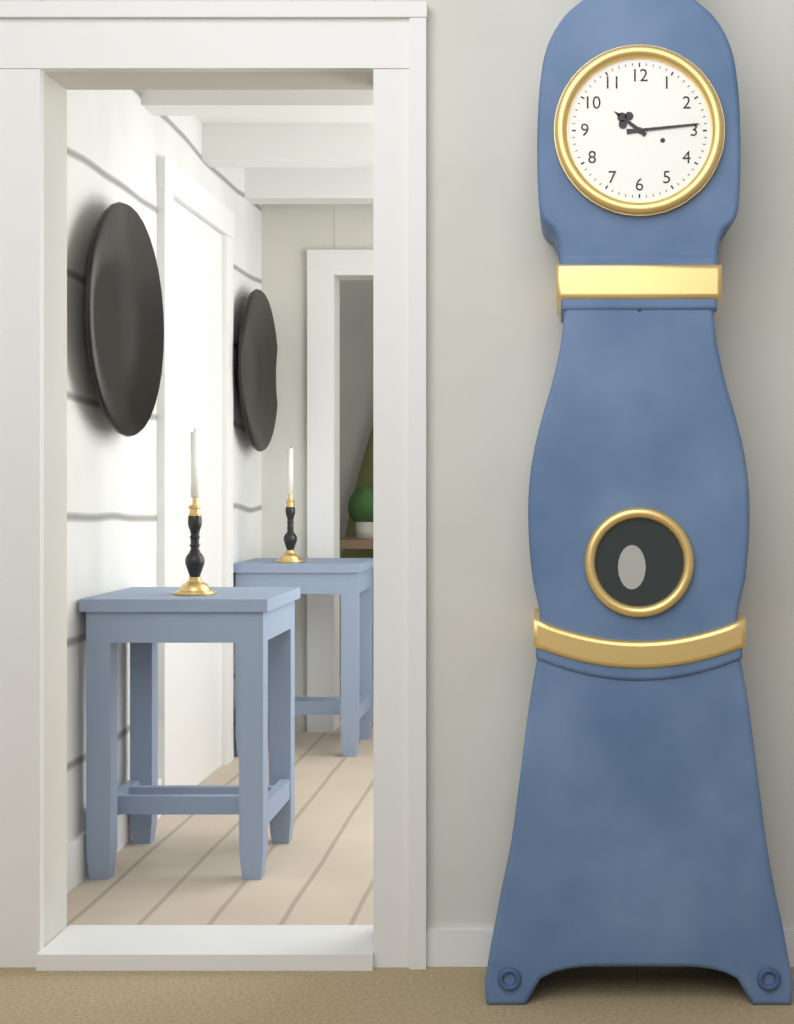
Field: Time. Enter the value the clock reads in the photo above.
10:14
